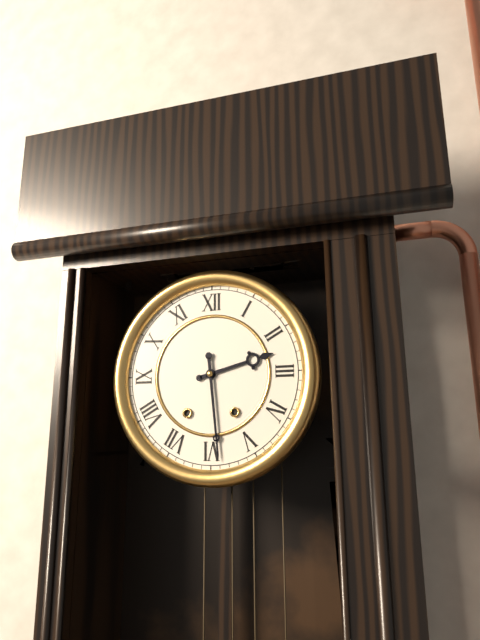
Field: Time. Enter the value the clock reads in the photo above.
2:29
